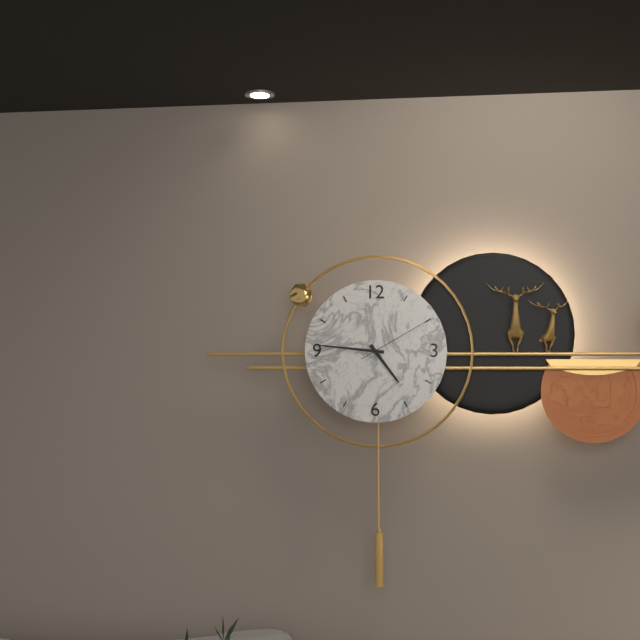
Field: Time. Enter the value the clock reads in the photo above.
4:46:10
